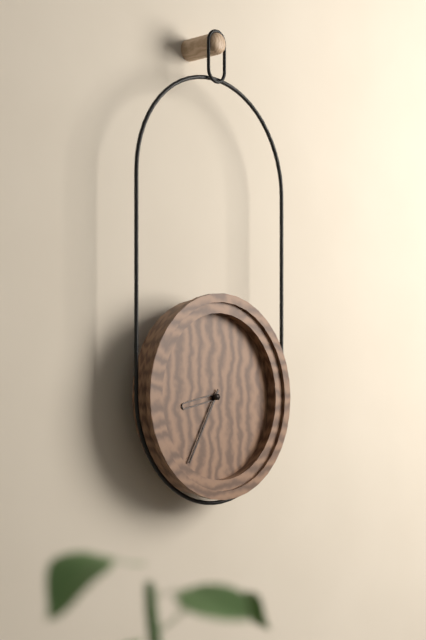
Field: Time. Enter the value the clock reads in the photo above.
8:35
